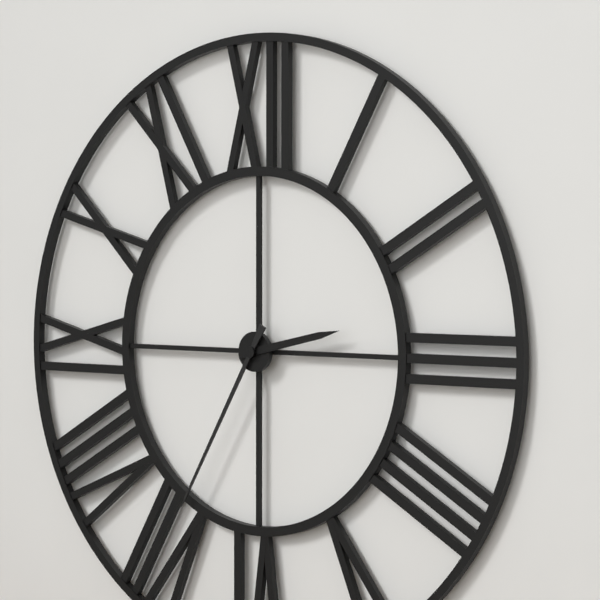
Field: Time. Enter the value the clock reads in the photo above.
2:35
